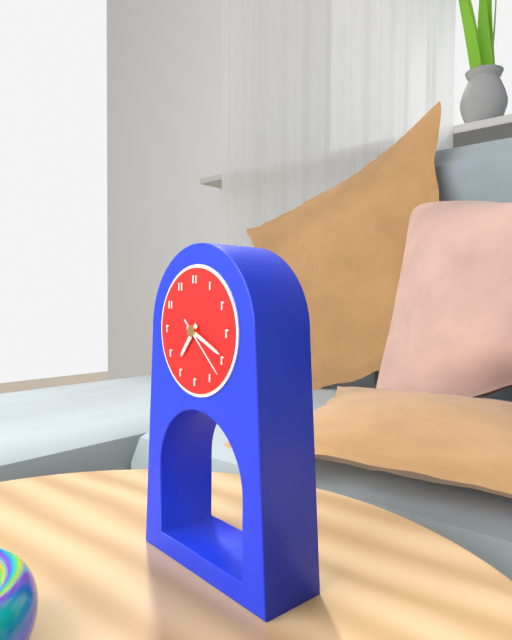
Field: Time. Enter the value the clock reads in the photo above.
7:19:22
